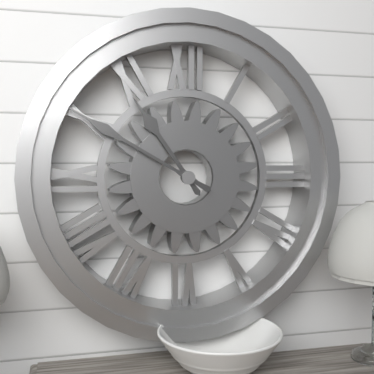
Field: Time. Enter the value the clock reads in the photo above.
10:50
